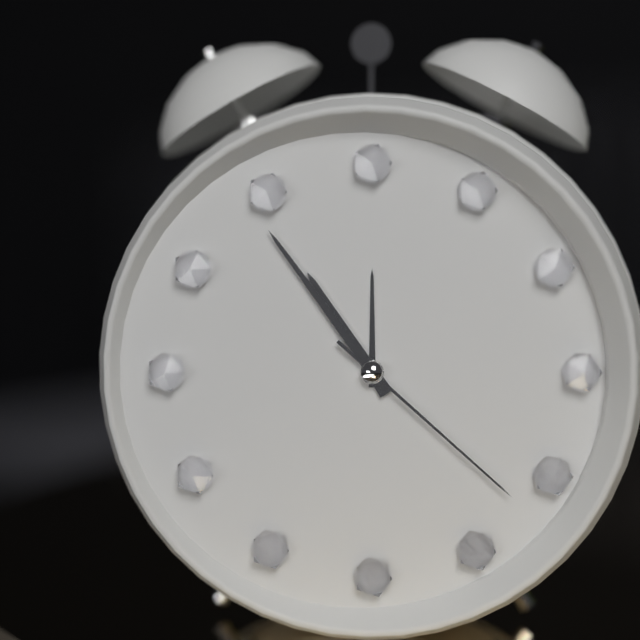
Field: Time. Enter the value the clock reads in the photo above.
10:54:22
